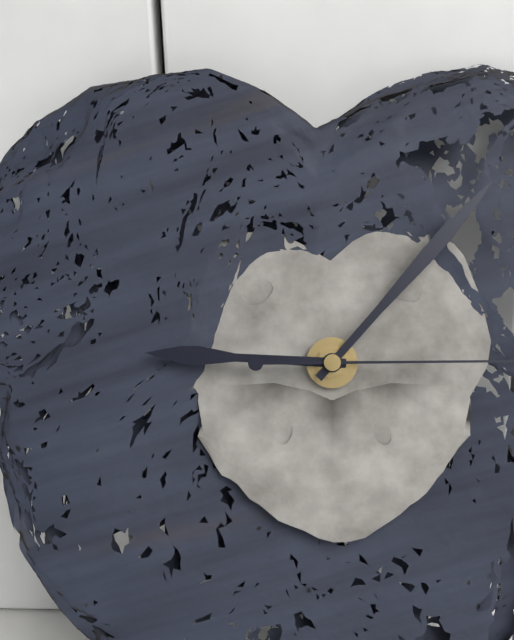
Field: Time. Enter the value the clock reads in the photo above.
9:07
